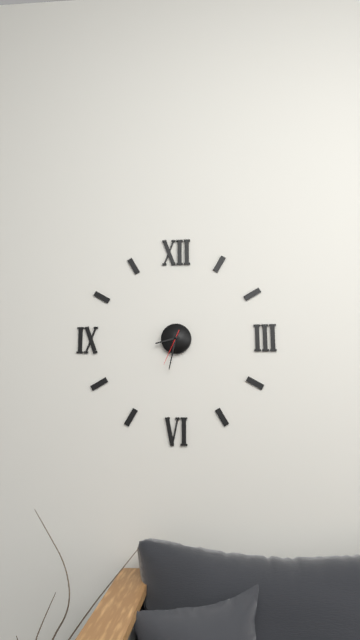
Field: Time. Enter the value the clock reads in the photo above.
8:32
